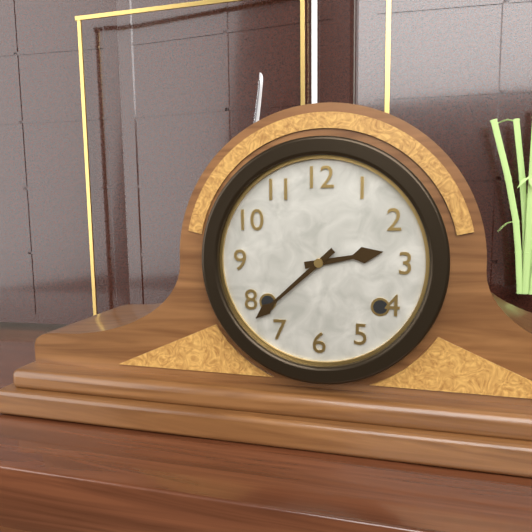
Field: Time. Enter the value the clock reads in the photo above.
2:38
